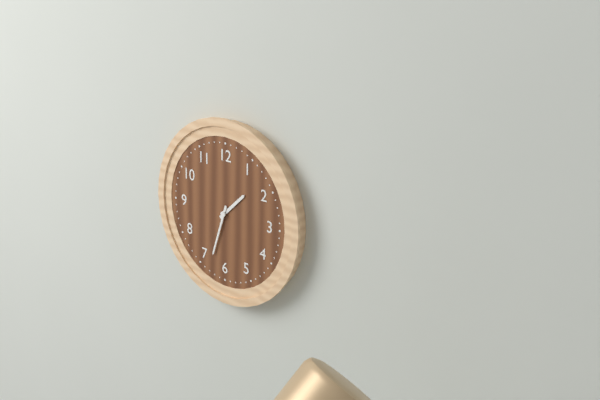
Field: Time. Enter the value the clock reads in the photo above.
1:33
